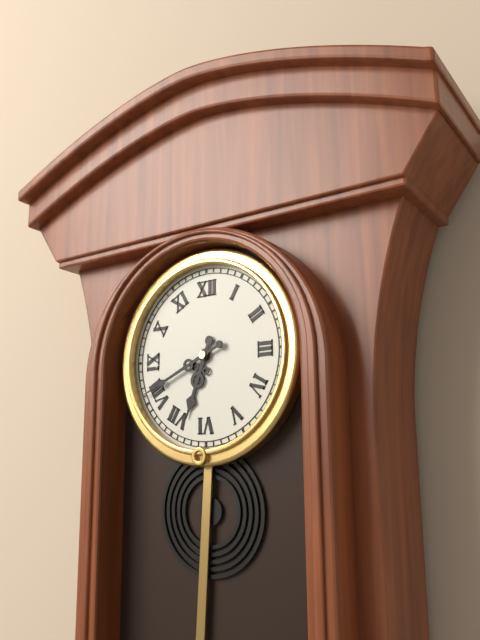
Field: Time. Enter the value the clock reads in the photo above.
6:41
